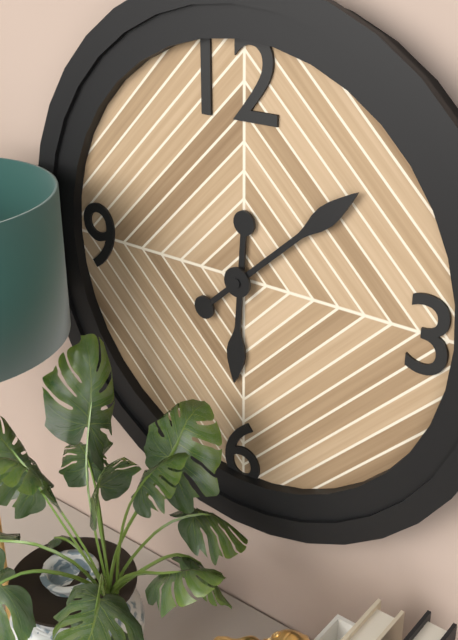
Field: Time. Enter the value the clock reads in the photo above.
6:08
